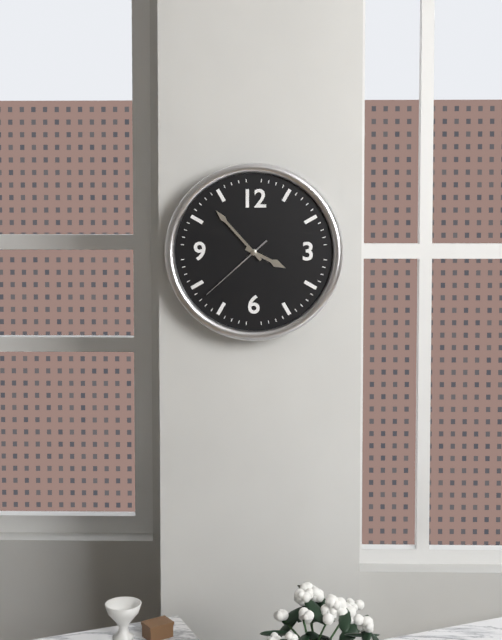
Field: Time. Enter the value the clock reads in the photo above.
3:53:38
